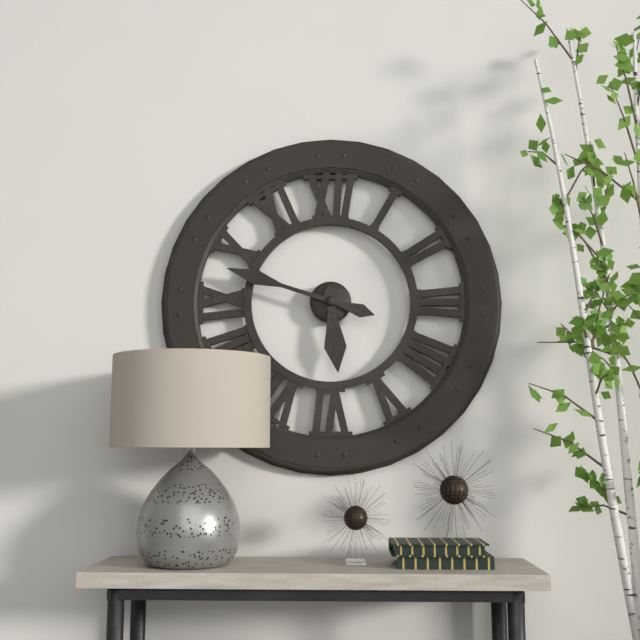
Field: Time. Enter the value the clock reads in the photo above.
5:48
